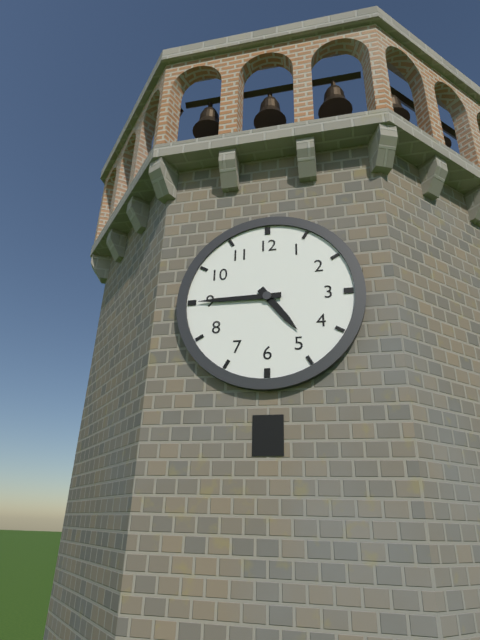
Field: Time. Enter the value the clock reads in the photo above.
4:45
